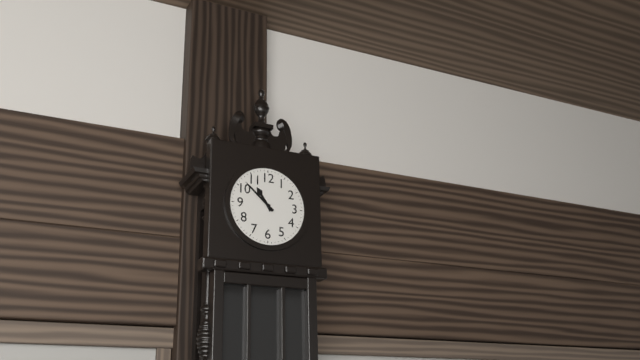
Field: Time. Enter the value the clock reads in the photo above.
10:52
